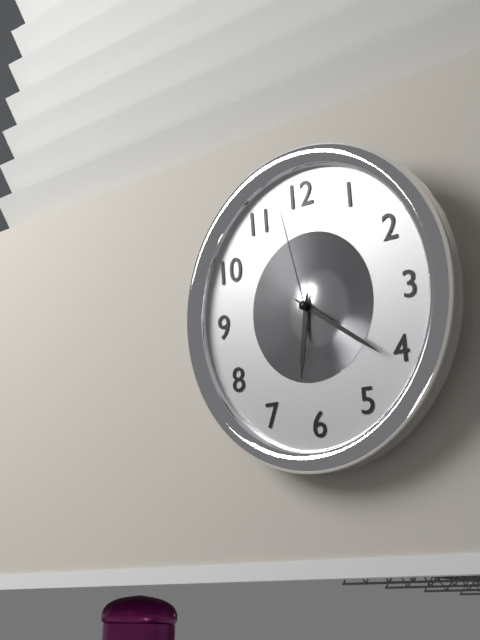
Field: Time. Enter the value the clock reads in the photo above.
6:21:58
